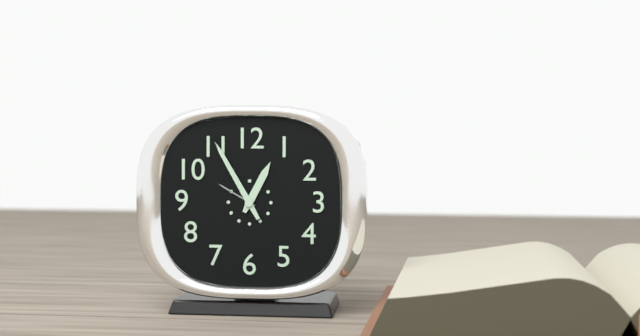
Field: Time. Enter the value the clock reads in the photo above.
12:55
